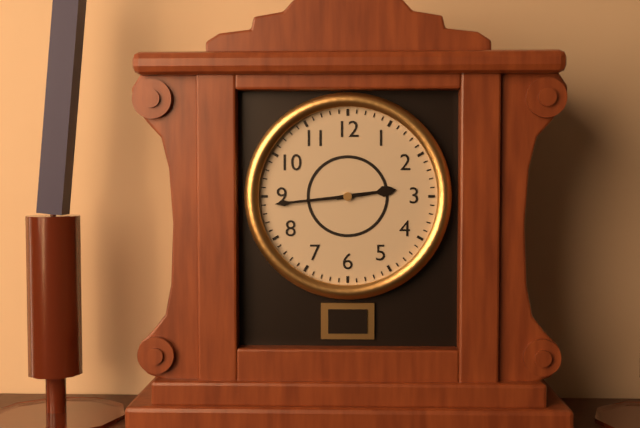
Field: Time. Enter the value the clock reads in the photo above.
2:44
